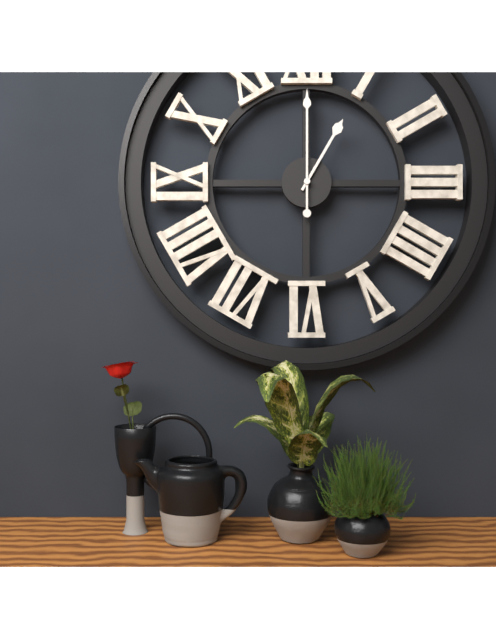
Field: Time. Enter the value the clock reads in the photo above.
1:00
